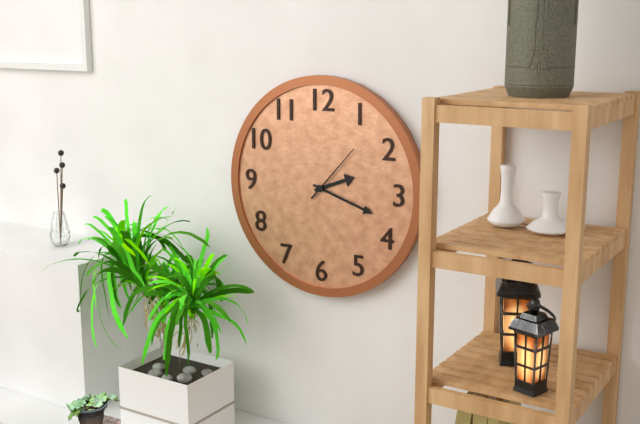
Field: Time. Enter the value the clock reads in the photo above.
2:18:07
